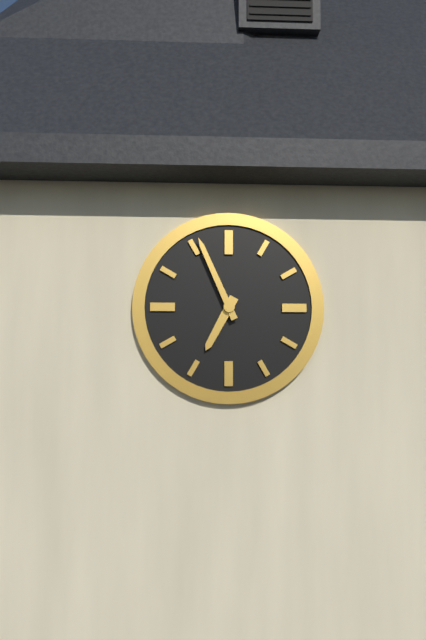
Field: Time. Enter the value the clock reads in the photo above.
6:56
